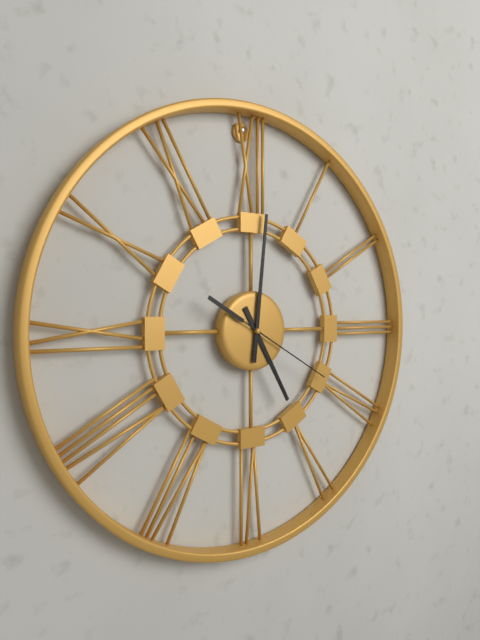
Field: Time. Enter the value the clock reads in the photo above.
5:01:20
